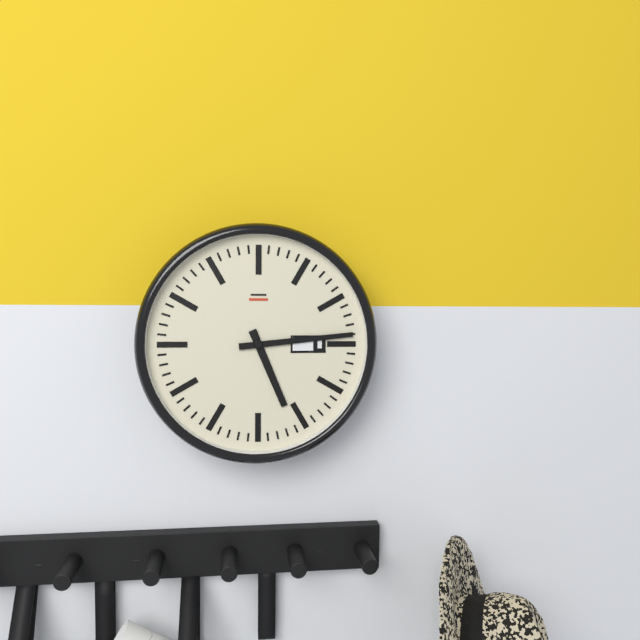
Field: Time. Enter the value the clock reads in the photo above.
5:14
